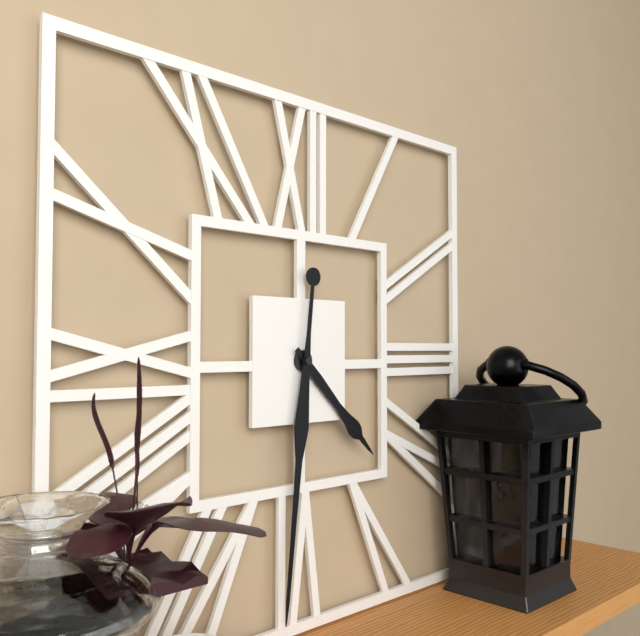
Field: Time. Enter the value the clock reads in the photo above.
4:31
